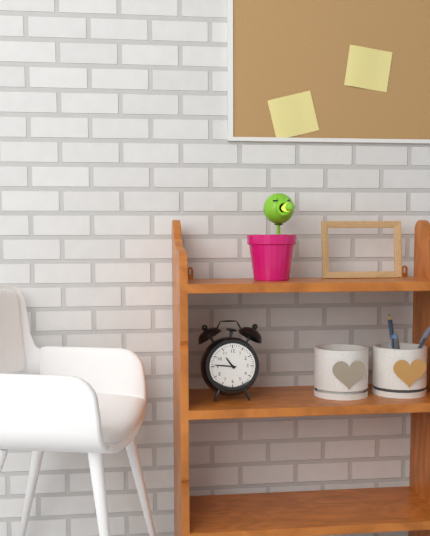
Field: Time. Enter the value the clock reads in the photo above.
10:46
